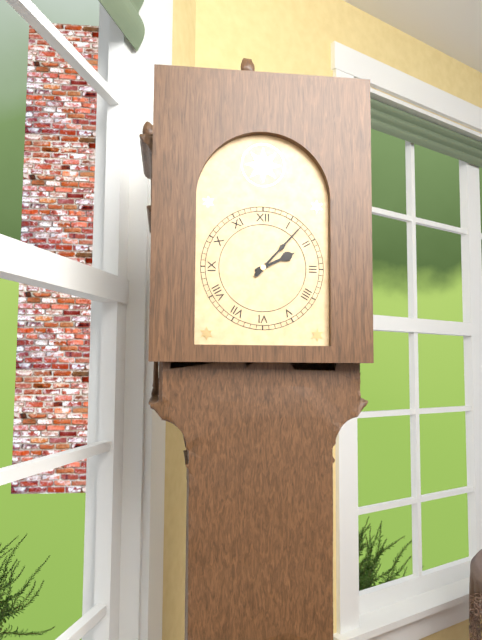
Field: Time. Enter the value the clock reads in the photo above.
2:07
